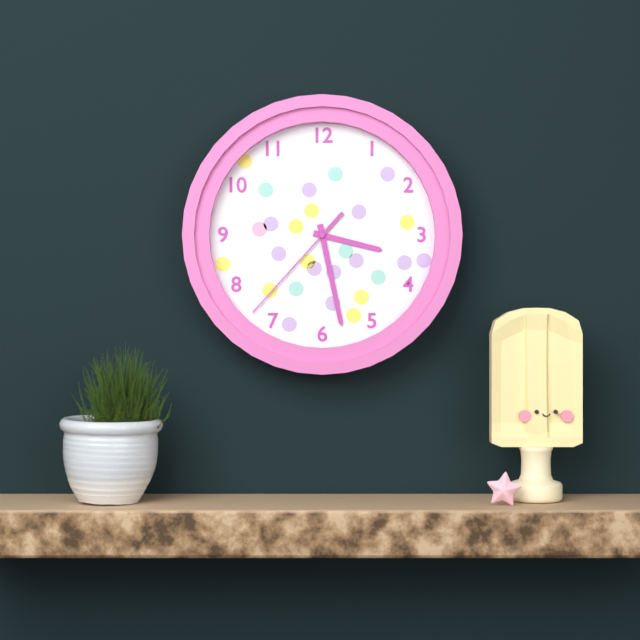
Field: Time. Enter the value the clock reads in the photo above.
3:28:37
